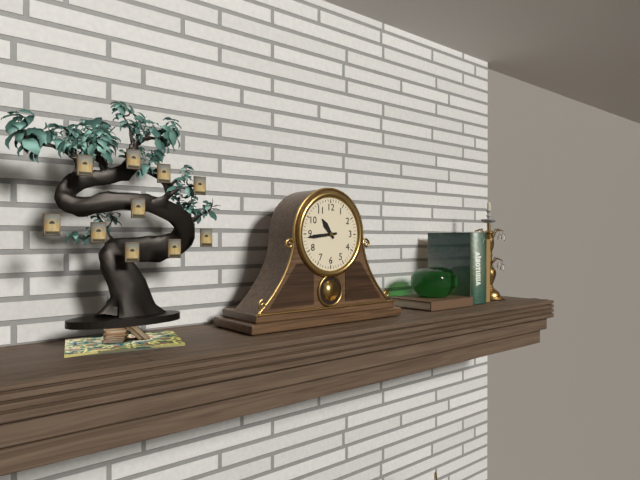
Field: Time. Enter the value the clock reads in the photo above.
10:44
